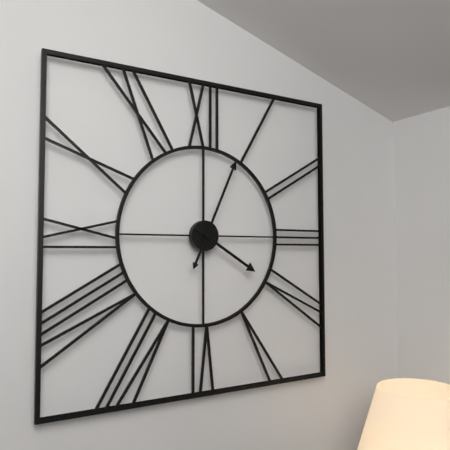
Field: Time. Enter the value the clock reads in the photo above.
4:04
